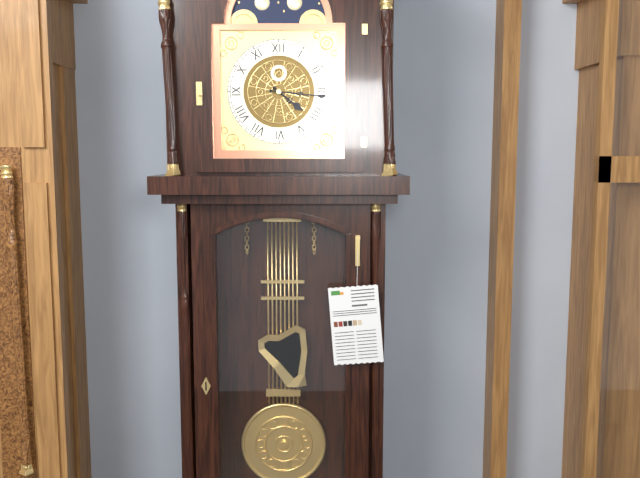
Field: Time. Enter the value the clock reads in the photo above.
4:16
